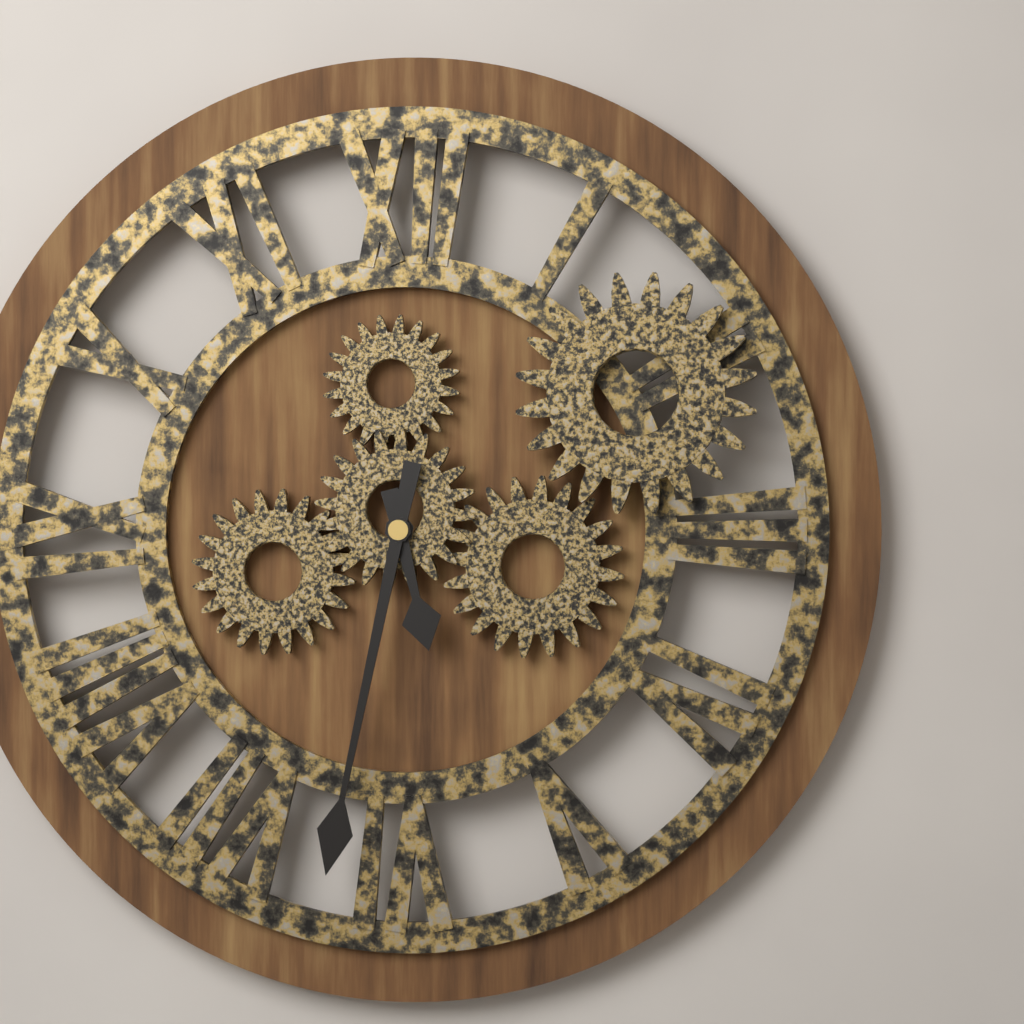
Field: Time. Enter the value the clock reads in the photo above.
5:32
